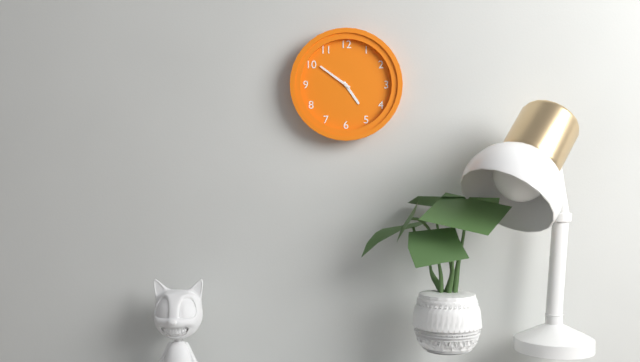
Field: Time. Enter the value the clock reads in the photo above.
4:51
